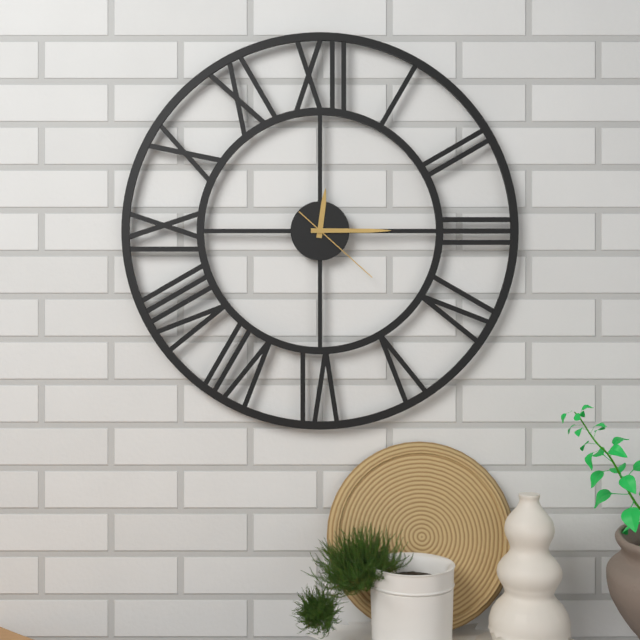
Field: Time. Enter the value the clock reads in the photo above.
12:15:22
